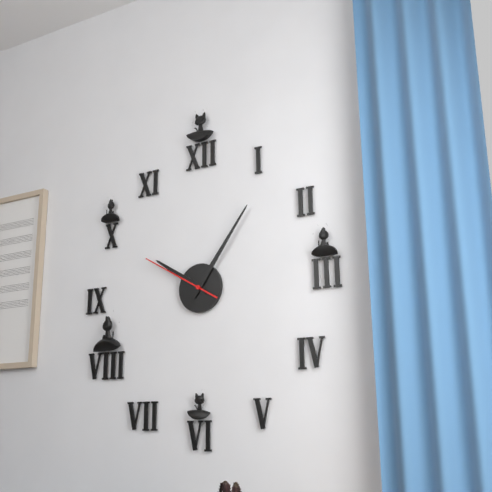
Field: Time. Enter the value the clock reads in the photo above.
10:06:50
